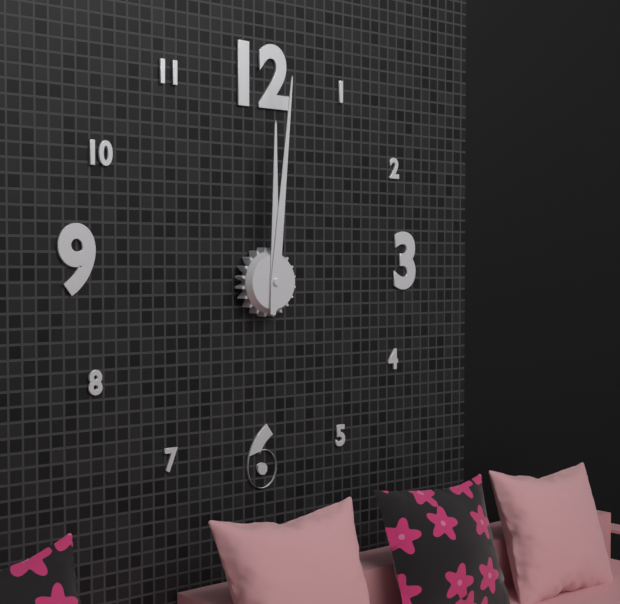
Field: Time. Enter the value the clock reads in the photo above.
12:01
